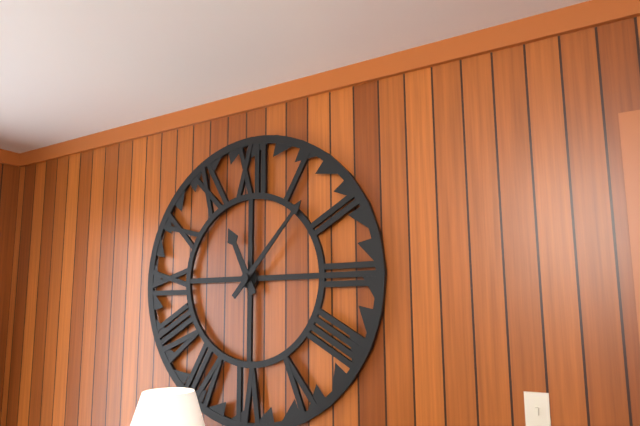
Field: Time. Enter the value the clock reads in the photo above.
11:07
